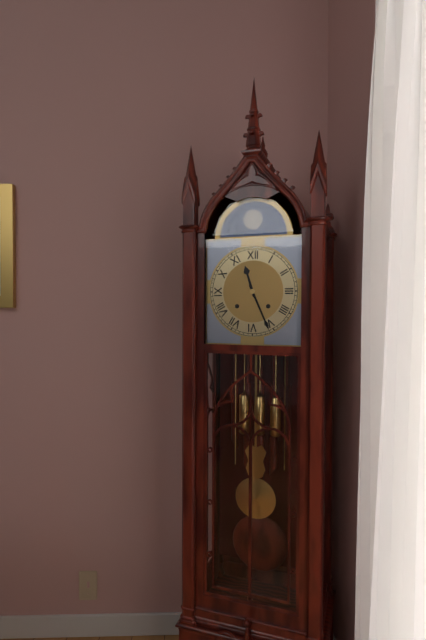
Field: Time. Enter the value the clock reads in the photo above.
11:26
